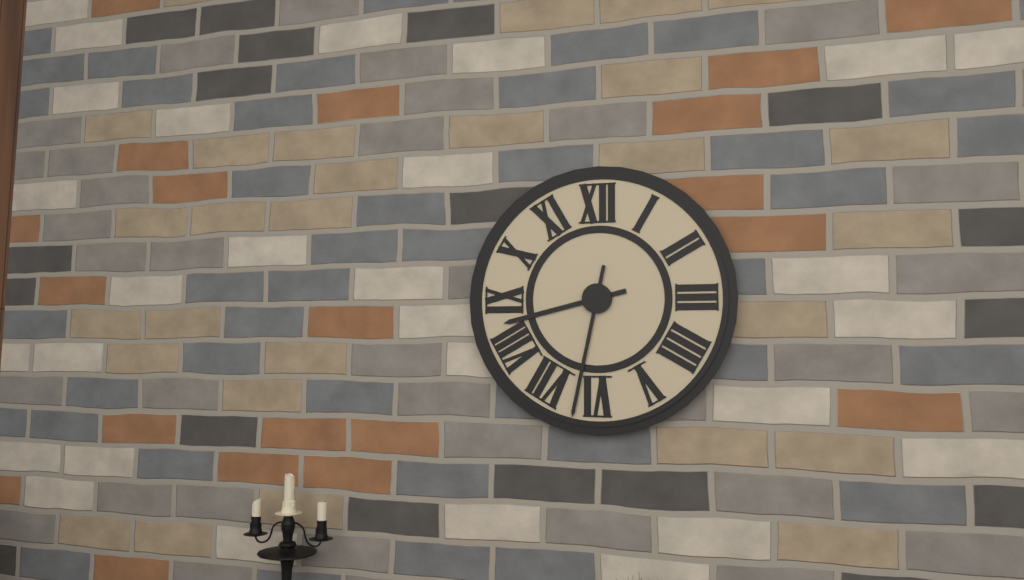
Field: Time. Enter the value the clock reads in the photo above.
8:32
